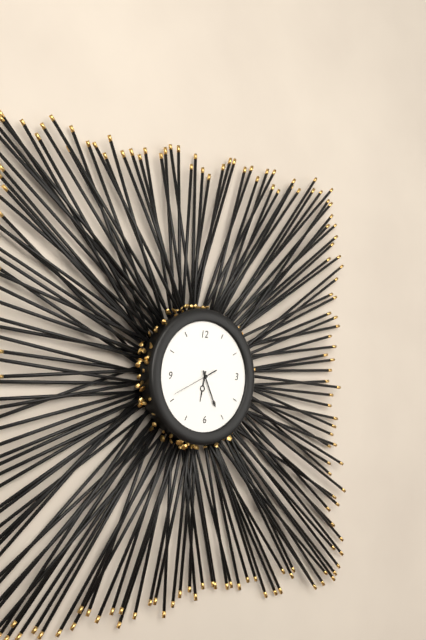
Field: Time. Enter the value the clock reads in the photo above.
6:26
